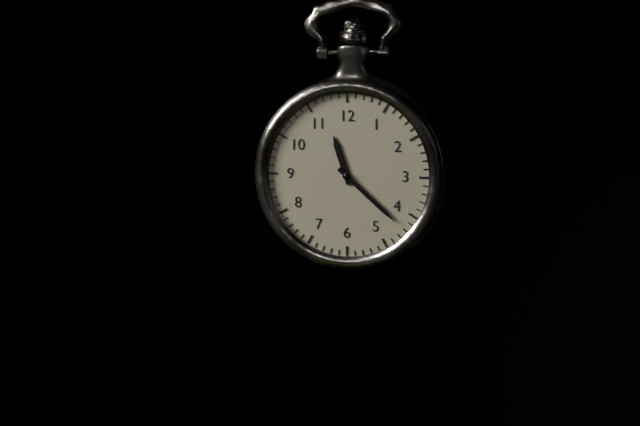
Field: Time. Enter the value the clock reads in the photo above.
11:22
